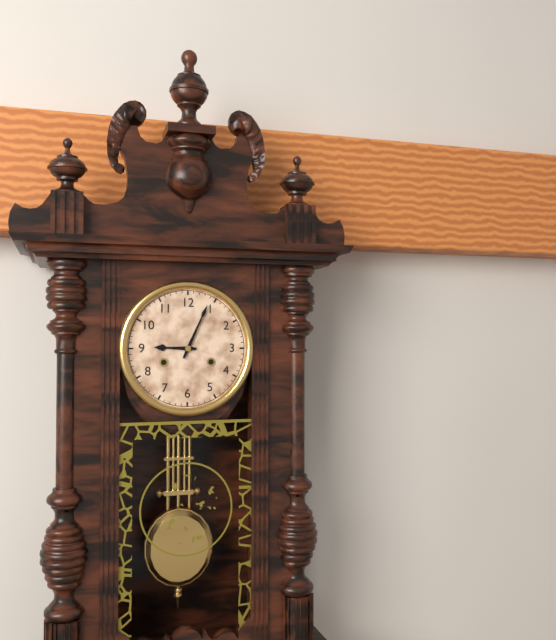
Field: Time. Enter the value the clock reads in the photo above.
9:04
